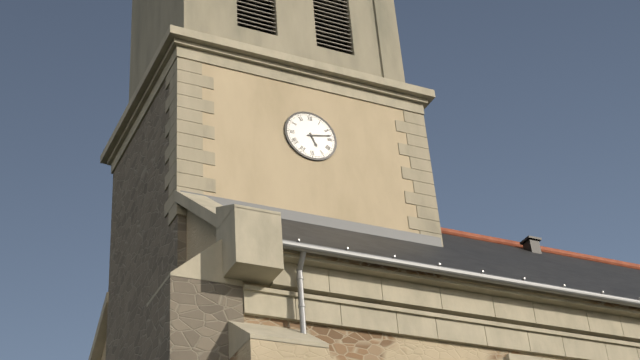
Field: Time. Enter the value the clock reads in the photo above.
5:13
